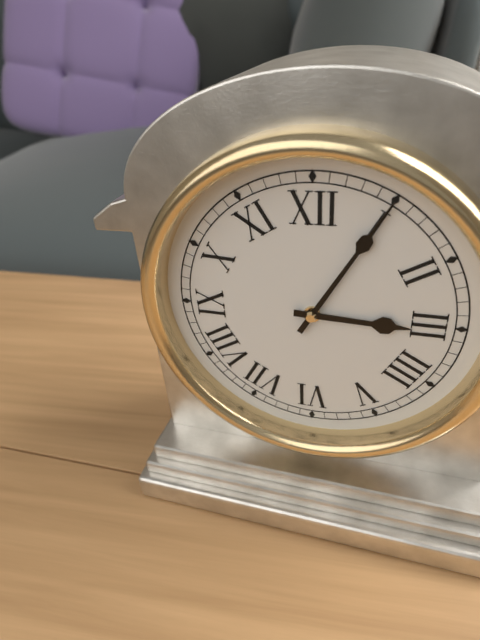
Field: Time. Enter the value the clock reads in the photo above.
3:05
